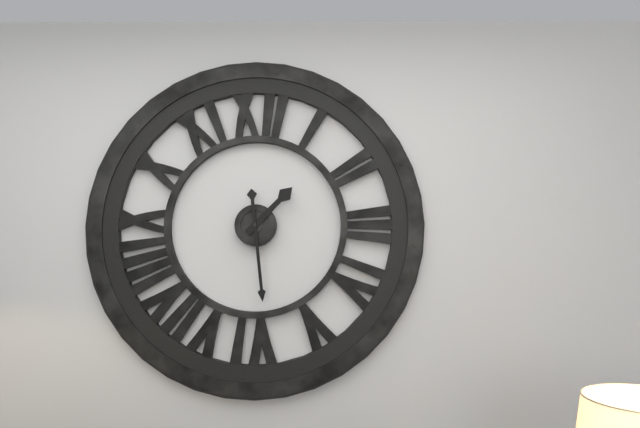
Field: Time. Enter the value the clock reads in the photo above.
1:29
